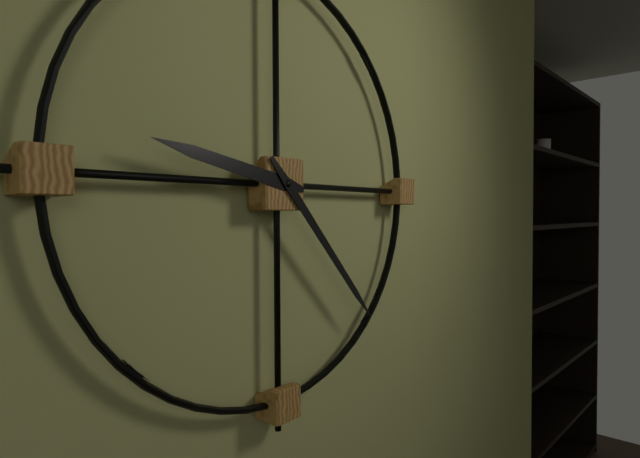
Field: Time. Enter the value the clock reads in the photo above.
9:23
